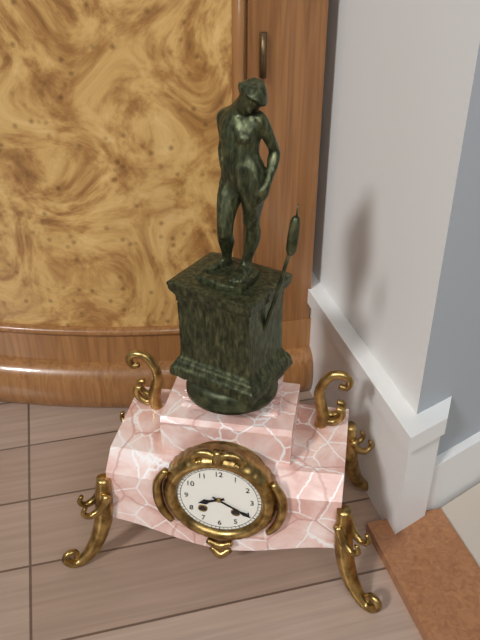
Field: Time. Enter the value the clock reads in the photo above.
8:20
